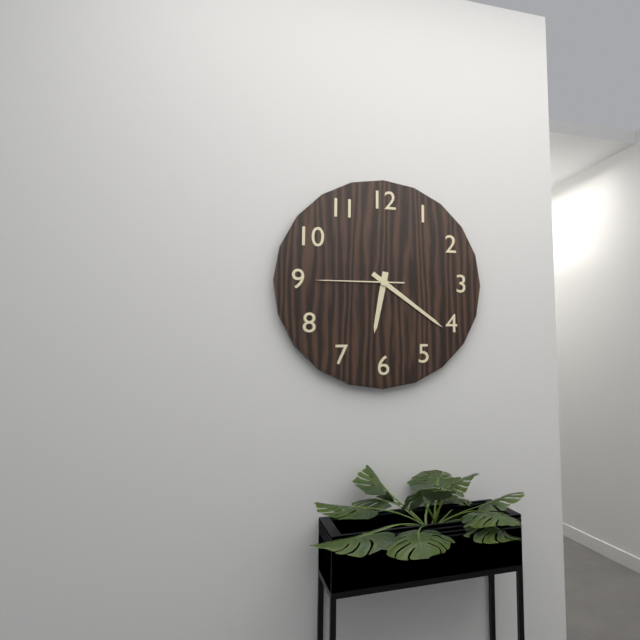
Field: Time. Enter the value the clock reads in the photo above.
6:21:45
